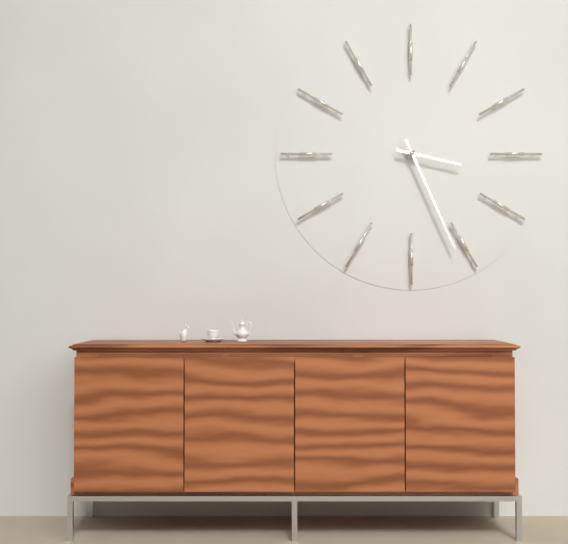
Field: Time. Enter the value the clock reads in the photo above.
3:26
